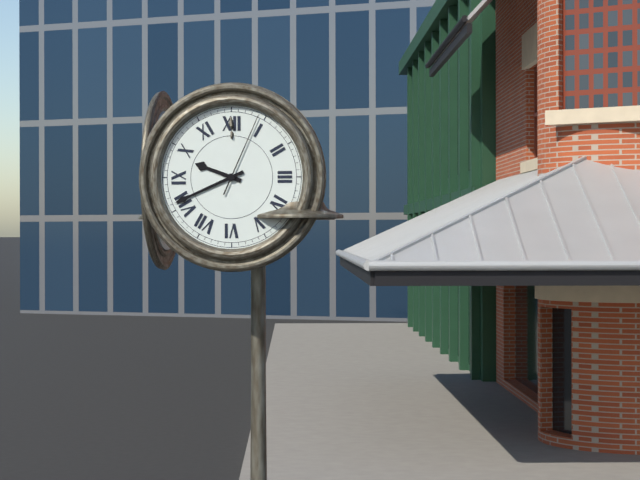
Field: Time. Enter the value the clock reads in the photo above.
9:41:04
